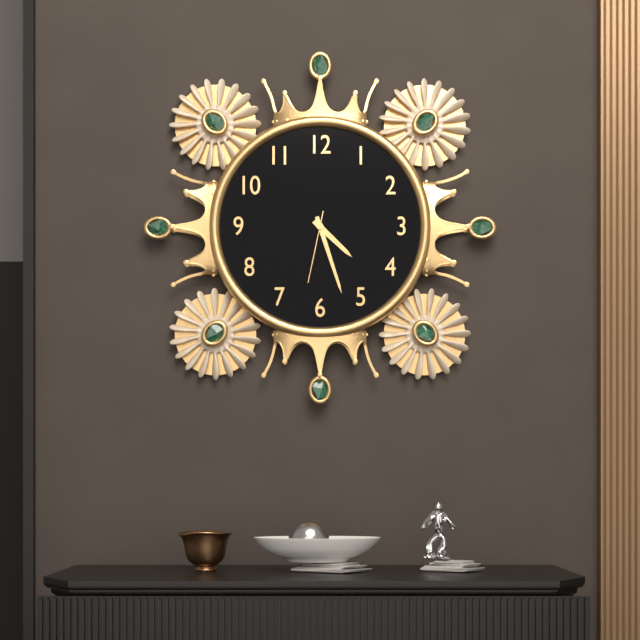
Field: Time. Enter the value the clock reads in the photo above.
4:27:32
